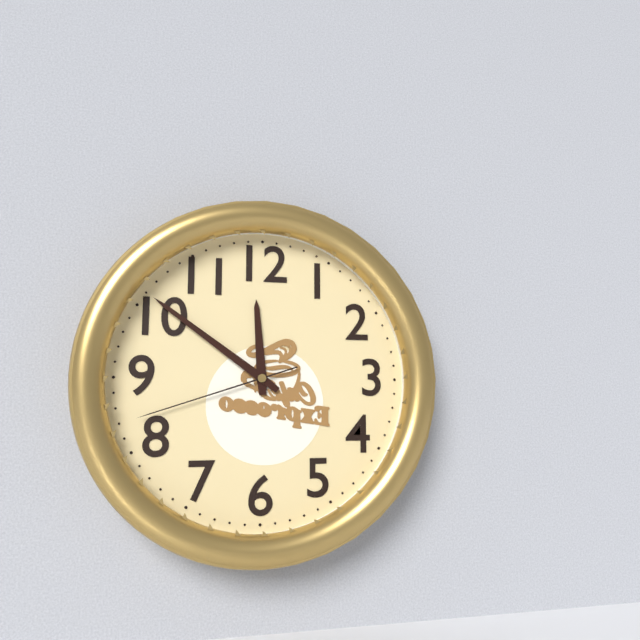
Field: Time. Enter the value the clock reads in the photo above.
11:51:42
